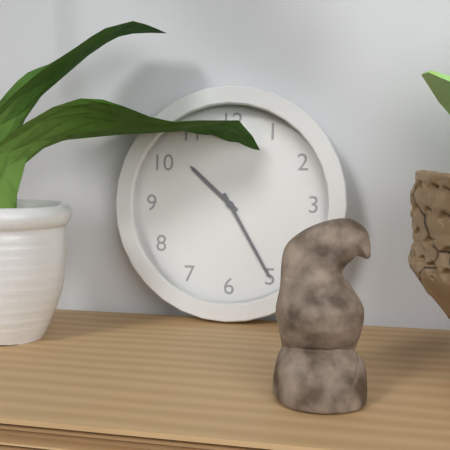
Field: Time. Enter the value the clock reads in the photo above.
10:25
